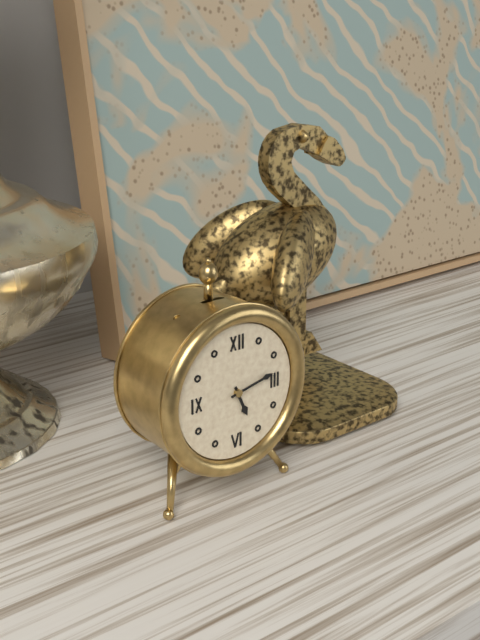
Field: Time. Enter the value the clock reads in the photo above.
5:13
